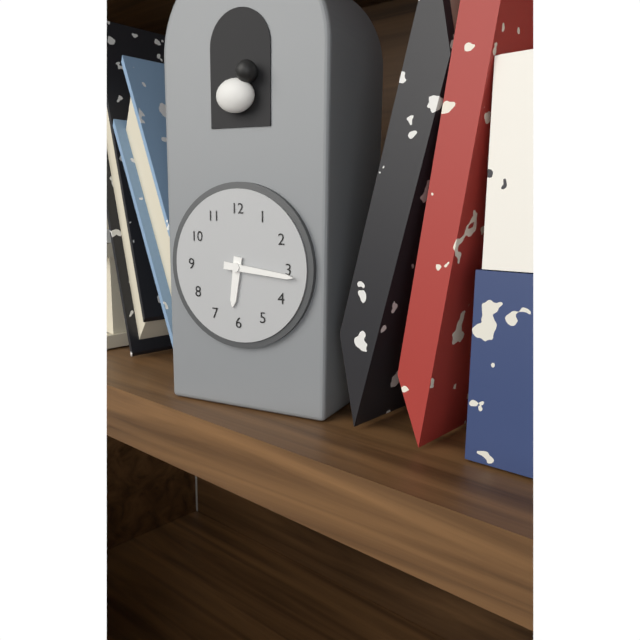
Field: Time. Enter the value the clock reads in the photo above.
6:16
